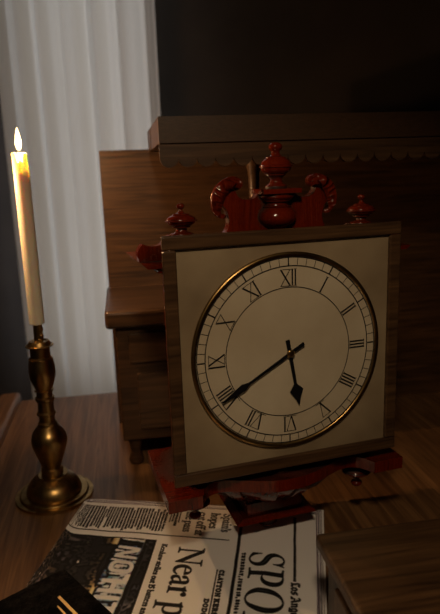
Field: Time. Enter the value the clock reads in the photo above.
5:40
